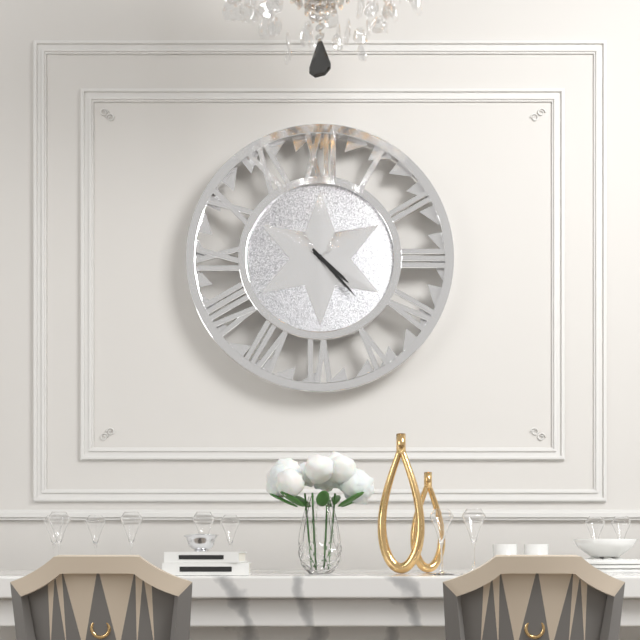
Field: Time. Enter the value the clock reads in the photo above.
4:23
